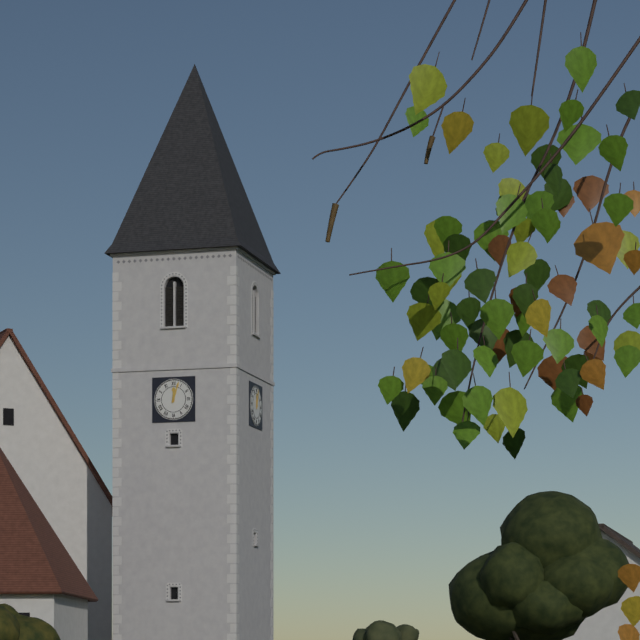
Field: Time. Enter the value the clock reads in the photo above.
12:03
